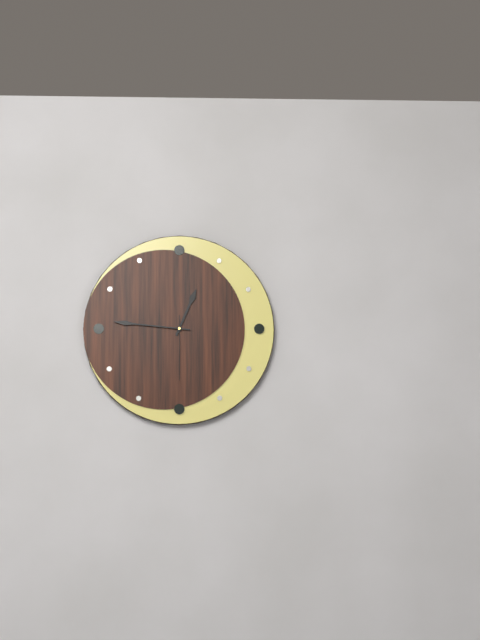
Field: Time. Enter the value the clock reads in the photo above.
12:46:30
